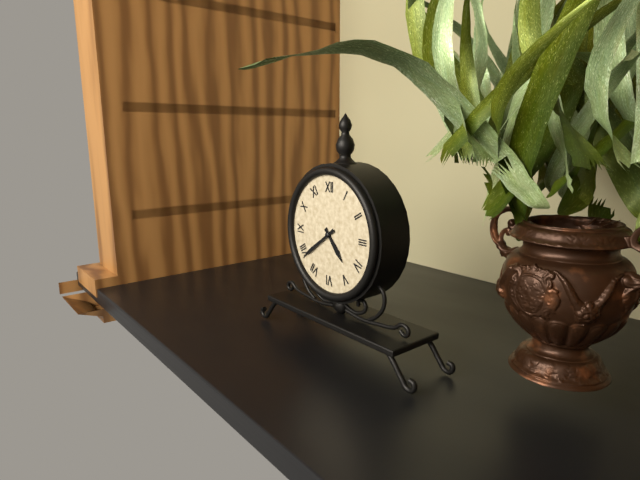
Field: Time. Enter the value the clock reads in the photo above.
4:39
